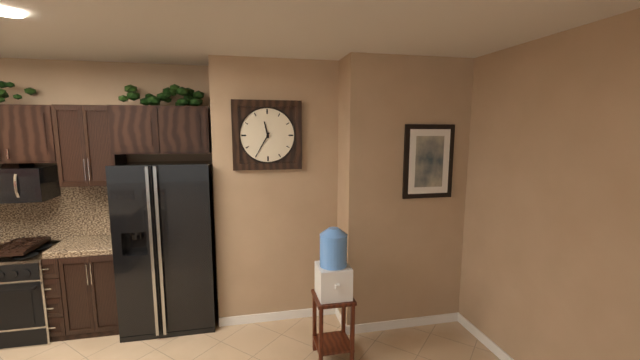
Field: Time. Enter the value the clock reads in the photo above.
11:35
